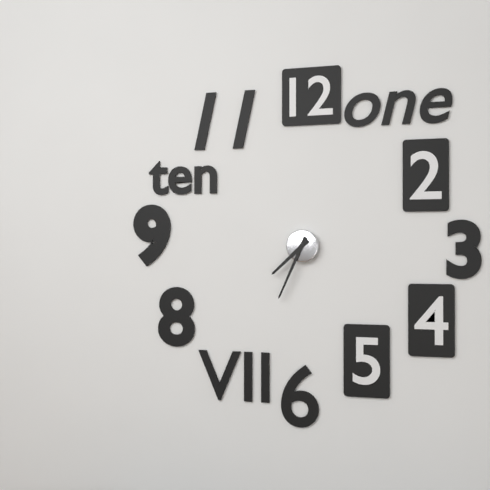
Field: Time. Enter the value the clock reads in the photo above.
7:34
